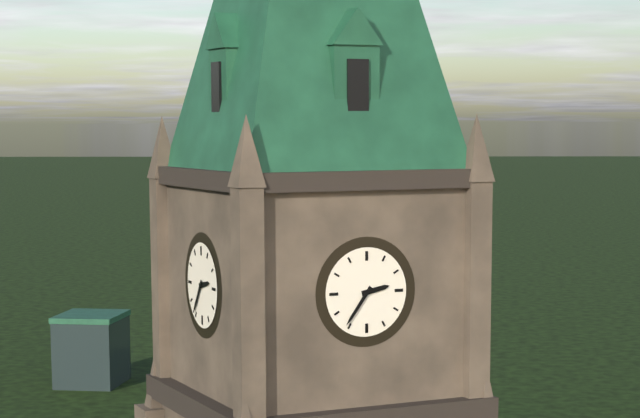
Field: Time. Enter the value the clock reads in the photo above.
2:36
